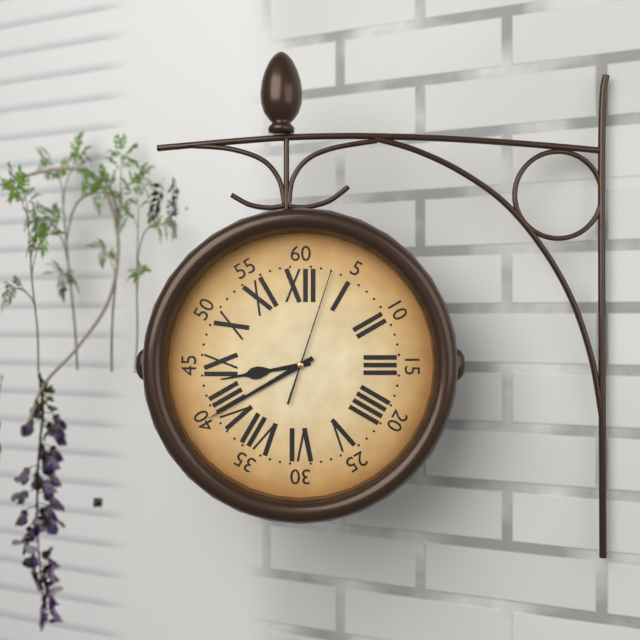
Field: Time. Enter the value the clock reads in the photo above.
8:40:03
